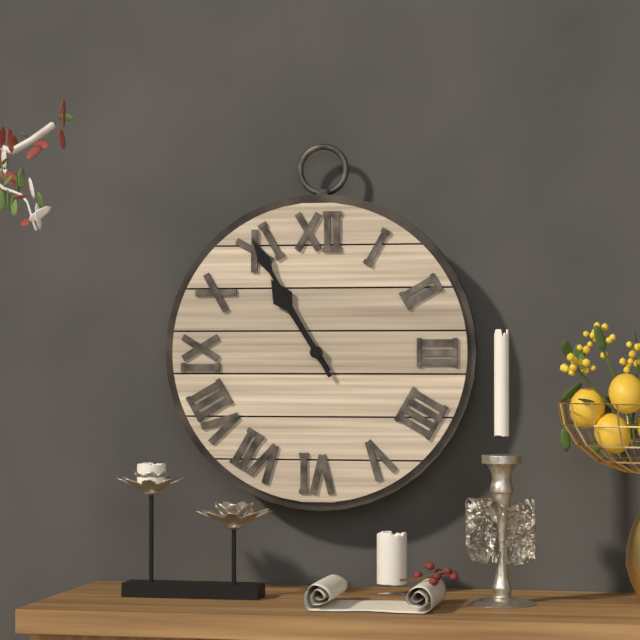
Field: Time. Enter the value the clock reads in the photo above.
10:55
